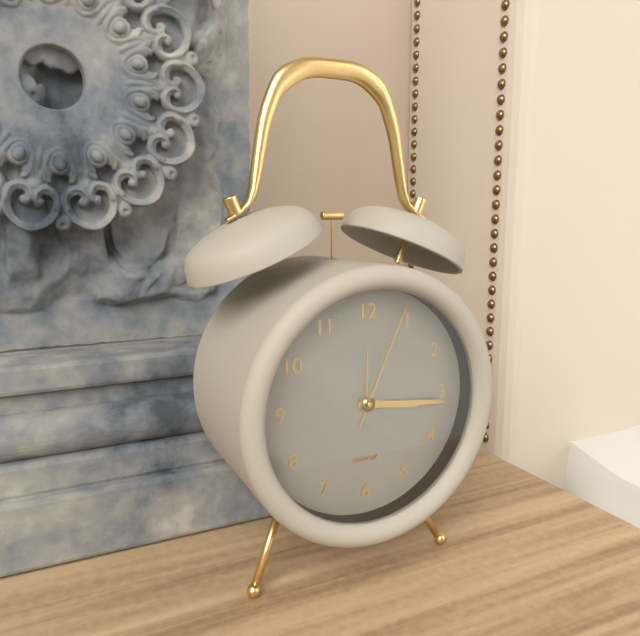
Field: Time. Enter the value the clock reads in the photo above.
3:16:04
